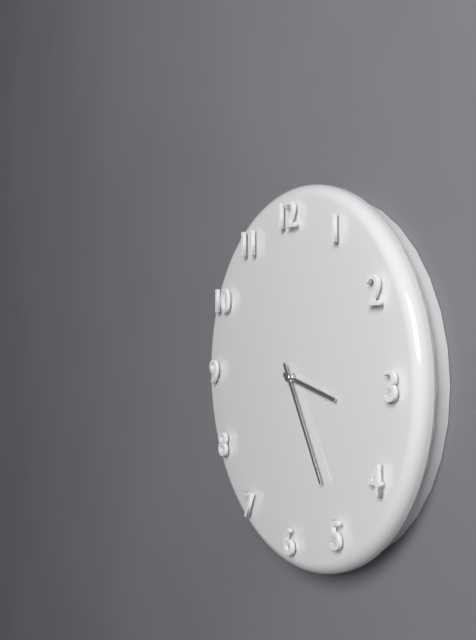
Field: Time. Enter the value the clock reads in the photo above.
3:25
